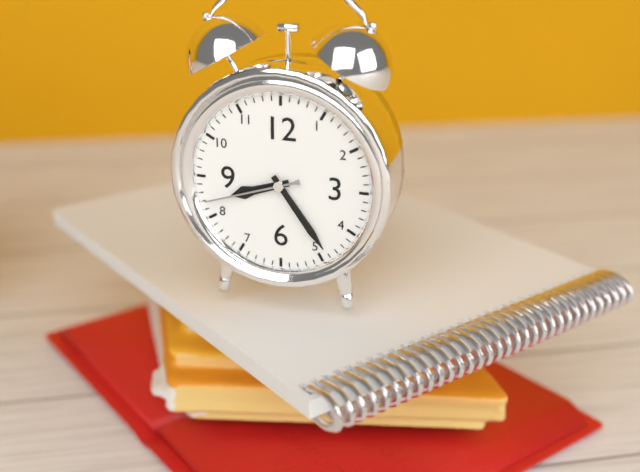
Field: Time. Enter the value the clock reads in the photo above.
8:24:42
